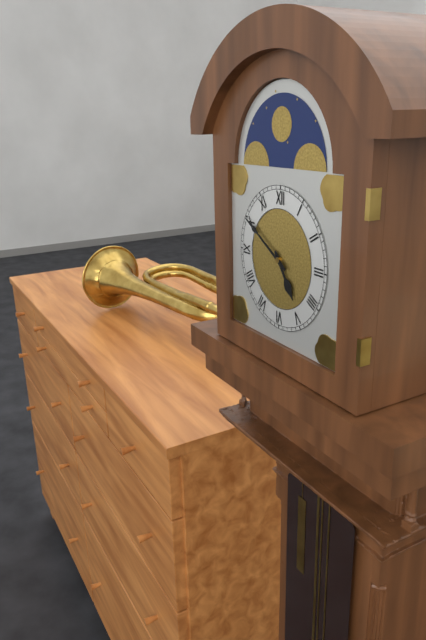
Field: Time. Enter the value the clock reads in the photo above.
4:50
